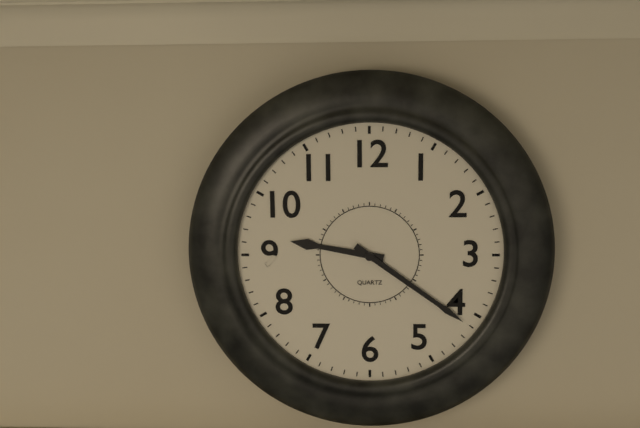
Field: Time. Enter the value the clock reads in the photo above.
9:21
